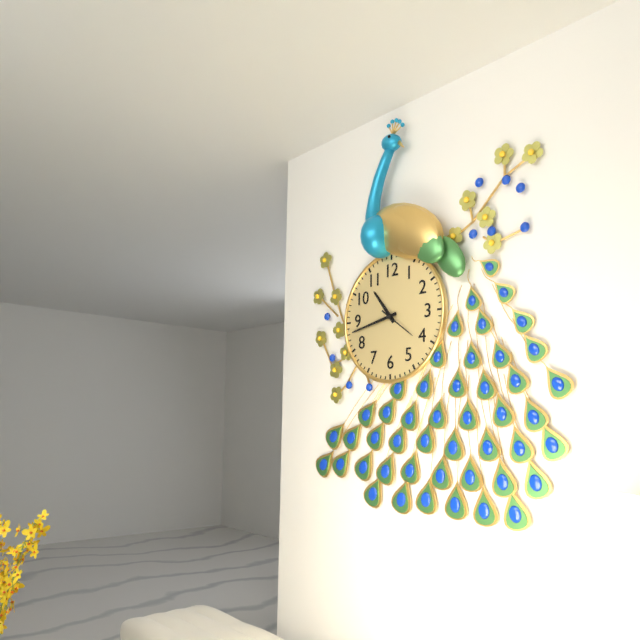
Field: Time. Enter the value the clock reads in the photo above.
10:43
